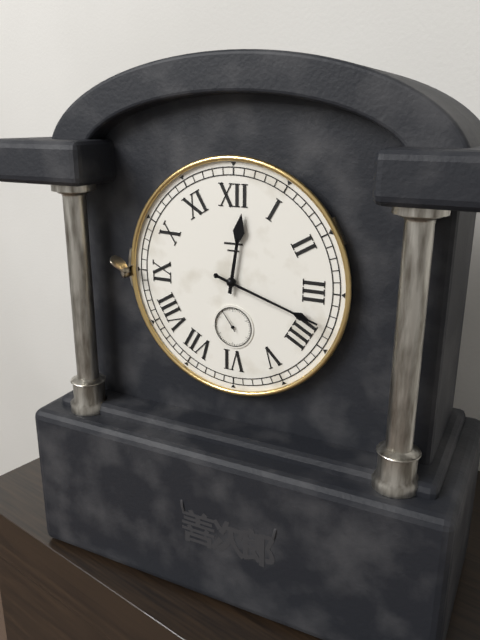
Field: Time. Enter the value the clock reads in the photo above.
12:18
